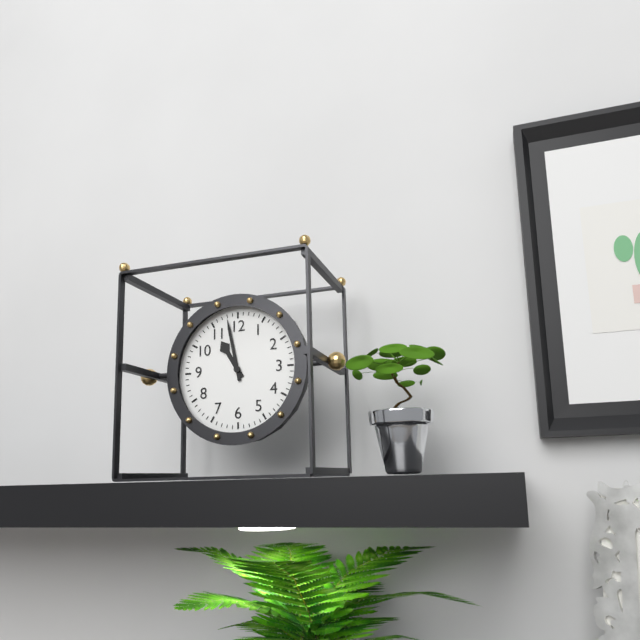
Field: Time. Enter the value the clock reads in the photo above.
10:58
